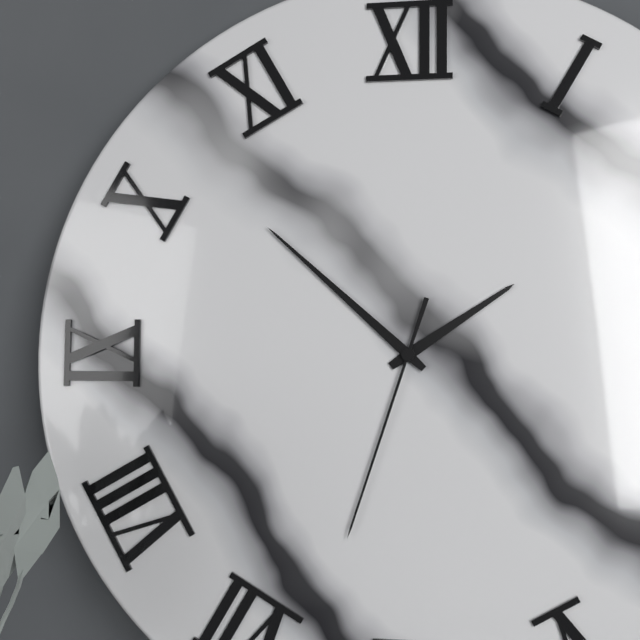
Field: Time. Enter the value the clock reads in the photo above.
1:52:33
